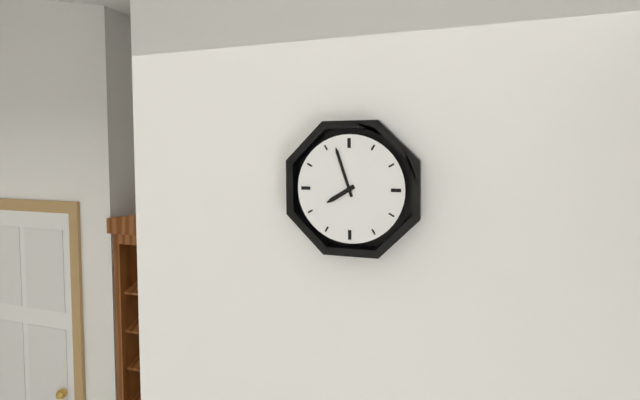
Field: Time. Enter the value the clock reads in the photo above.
7:57
